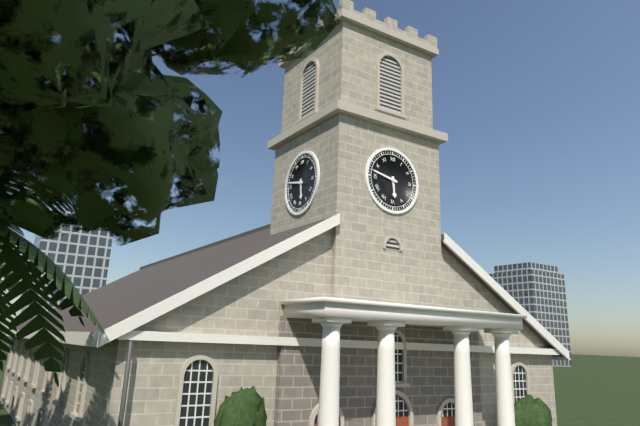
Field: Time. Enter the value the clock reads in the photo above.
5:47
